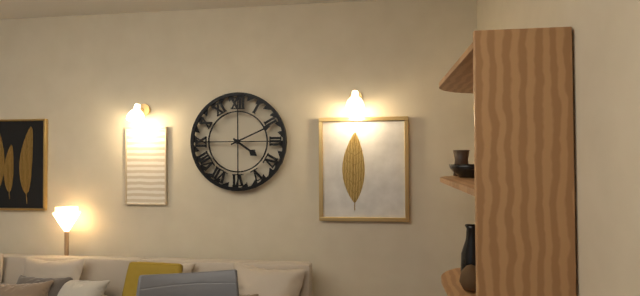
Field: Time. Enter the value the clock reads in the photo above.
4:11
